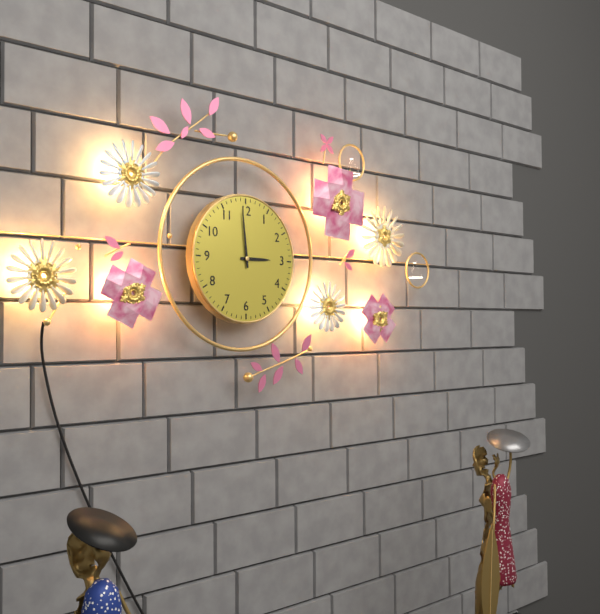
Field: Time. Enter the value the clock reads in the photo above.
2:59
